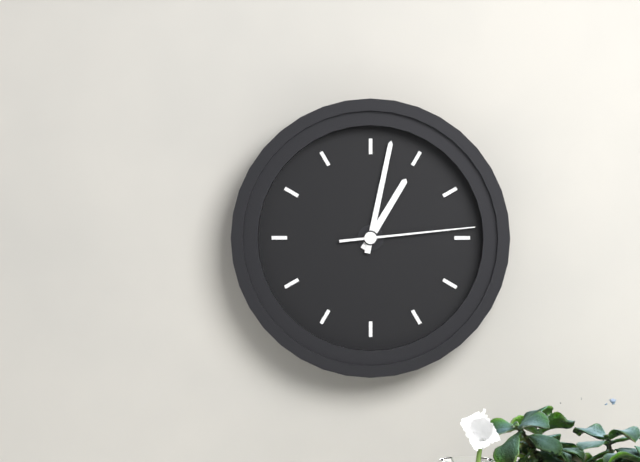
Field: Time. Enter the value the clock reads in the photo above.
1:02:14
